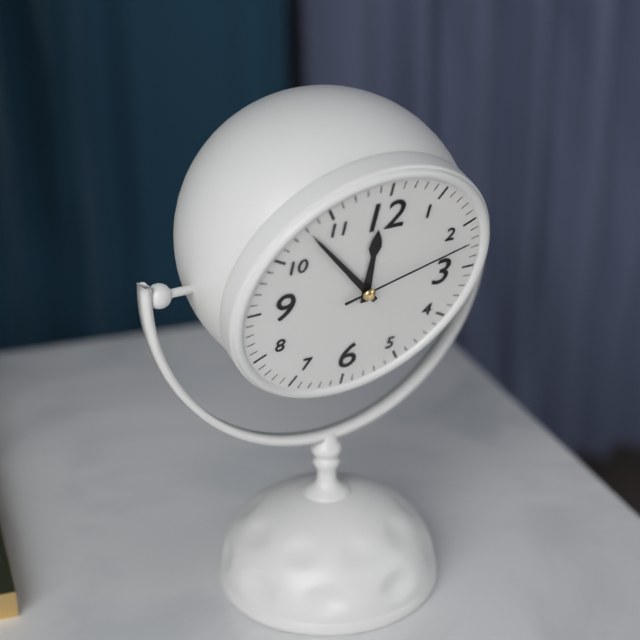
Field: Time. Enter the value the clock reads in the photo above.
11:53:12
